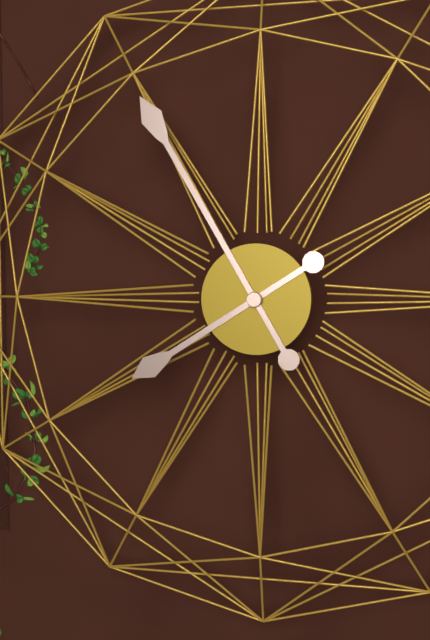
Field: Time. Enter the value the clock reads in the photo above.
7:55
